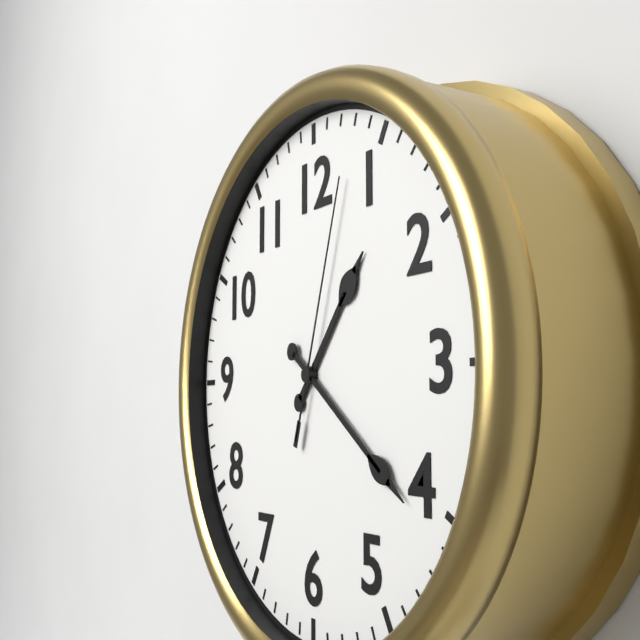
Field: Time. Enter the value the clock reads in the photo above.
1:21:03
